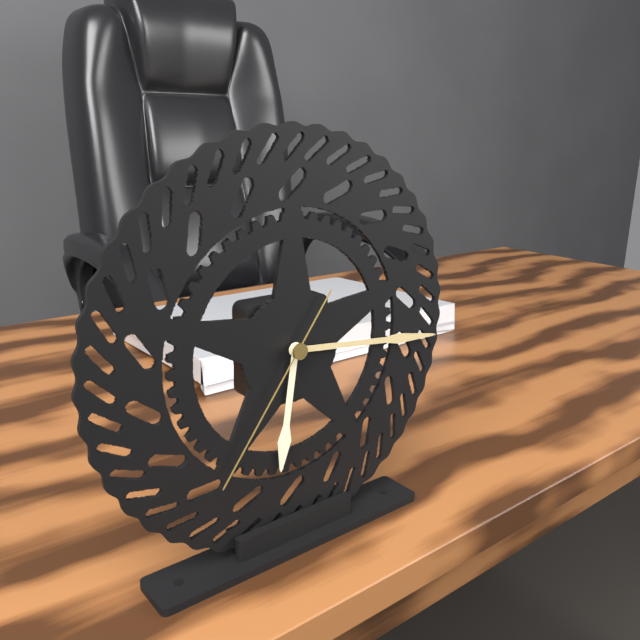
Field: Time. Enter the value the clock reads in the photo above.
6:16:36
